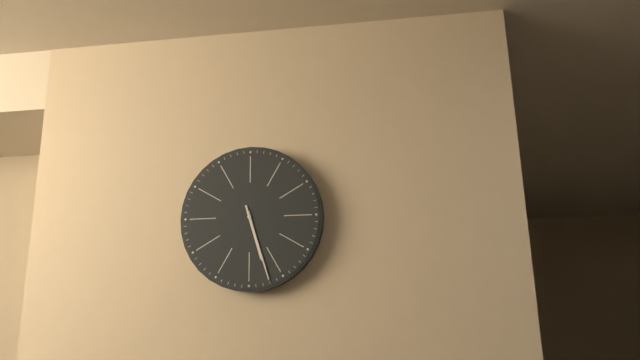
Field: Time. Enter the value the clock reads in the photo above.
5:27
